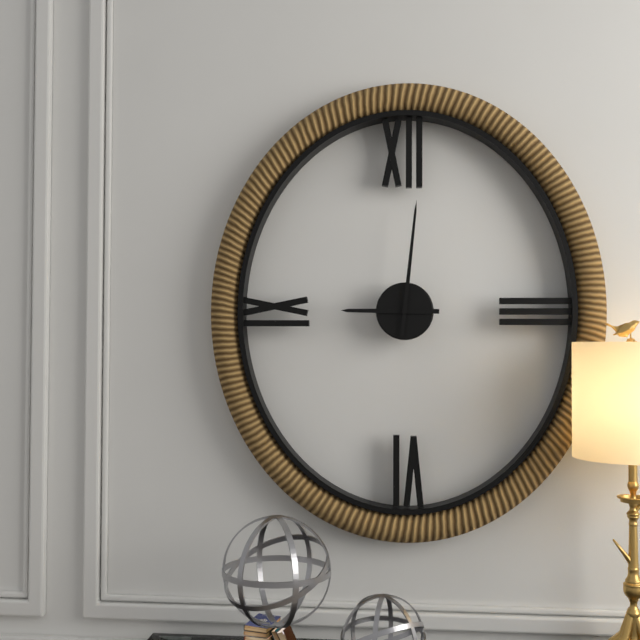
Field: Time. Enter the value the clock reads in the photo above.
9:01
